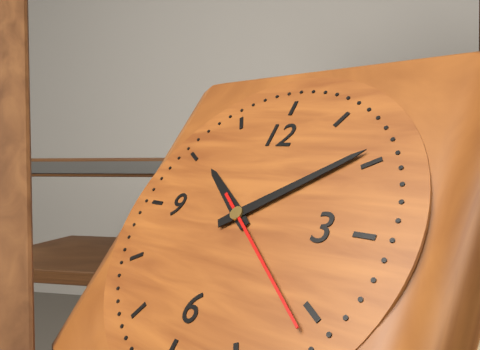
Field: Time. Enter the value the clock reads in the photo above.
10:09:21
